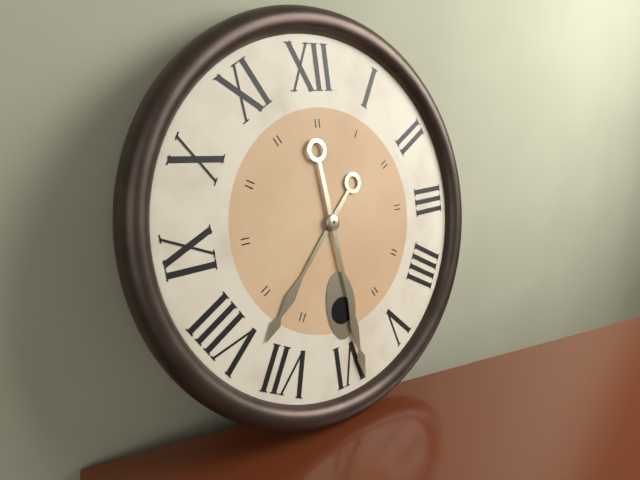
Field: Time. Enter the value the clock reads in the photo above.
7:29
